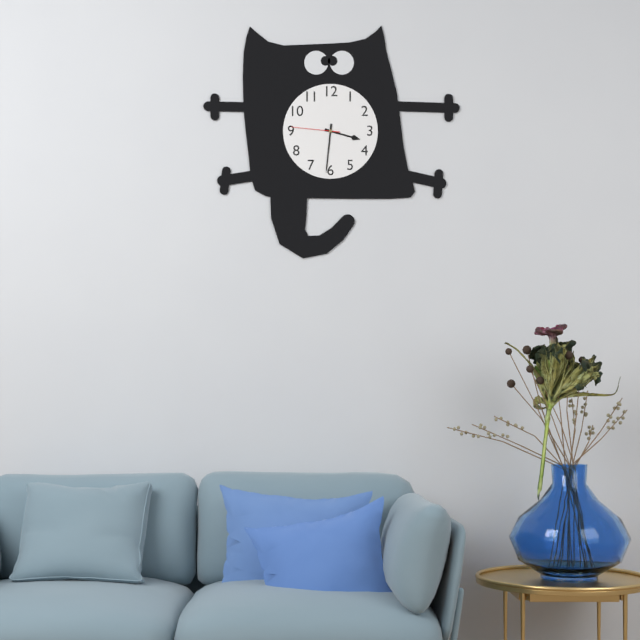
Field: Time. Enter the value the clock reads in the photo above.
3:31
